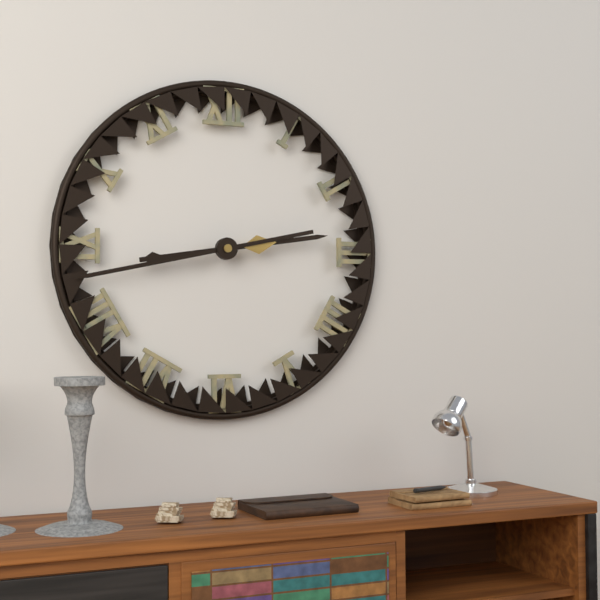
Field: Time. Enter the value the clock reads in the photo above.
2:43
